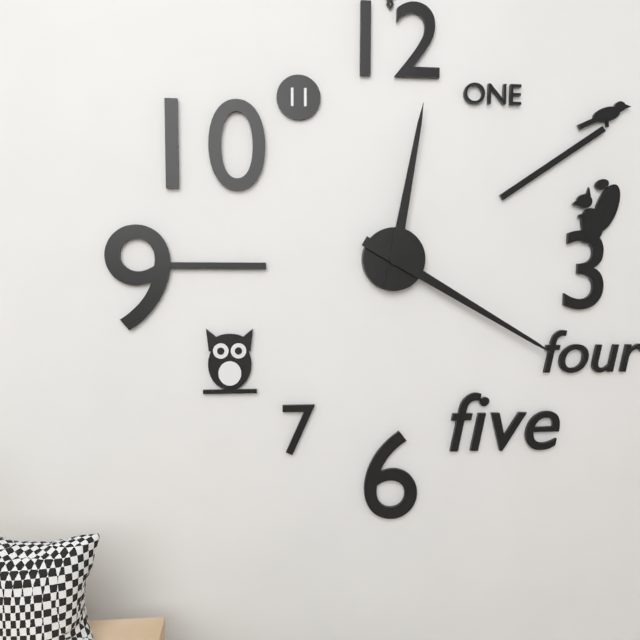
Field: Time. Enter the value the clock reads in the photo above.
12:20
